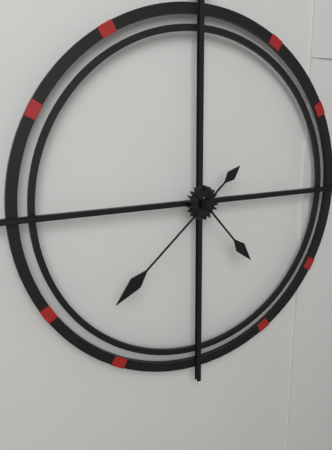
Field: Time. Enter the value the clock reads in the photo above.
4:38
